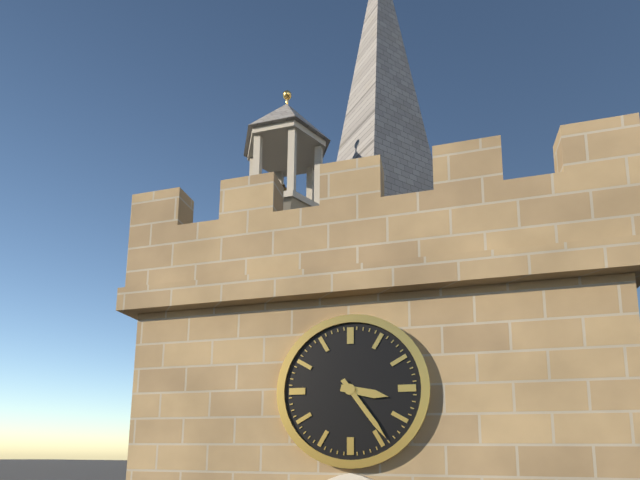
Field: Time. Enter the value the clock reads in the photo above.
3:24
